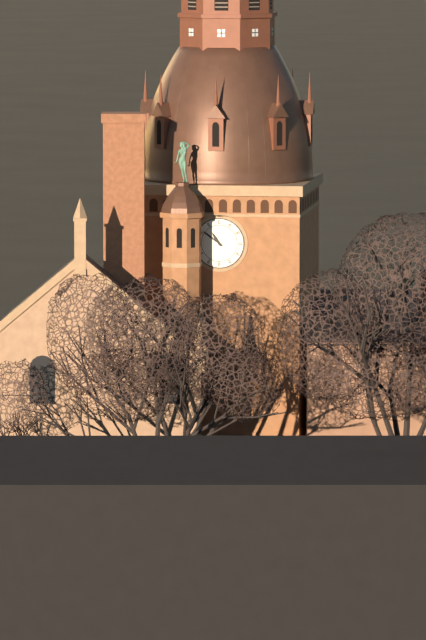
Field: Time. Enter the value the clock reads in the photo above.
10:51
